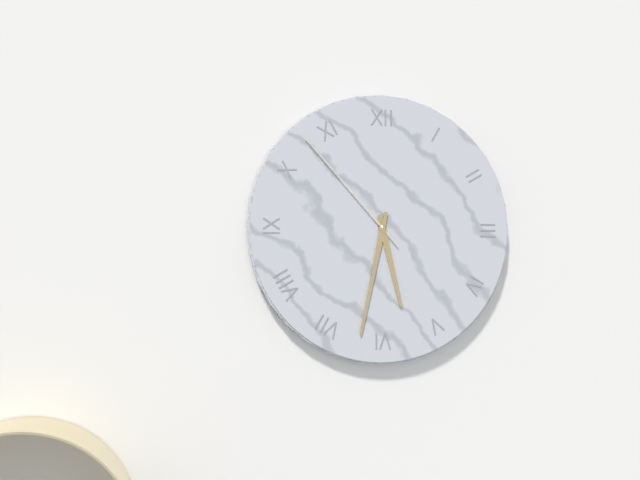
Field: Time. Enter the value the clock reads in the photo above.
5:32:53
